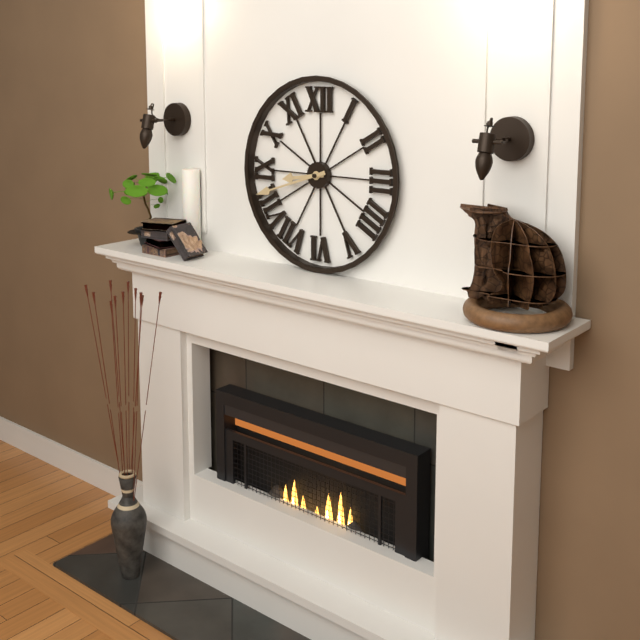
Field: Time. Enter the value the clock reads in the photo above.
8:42
